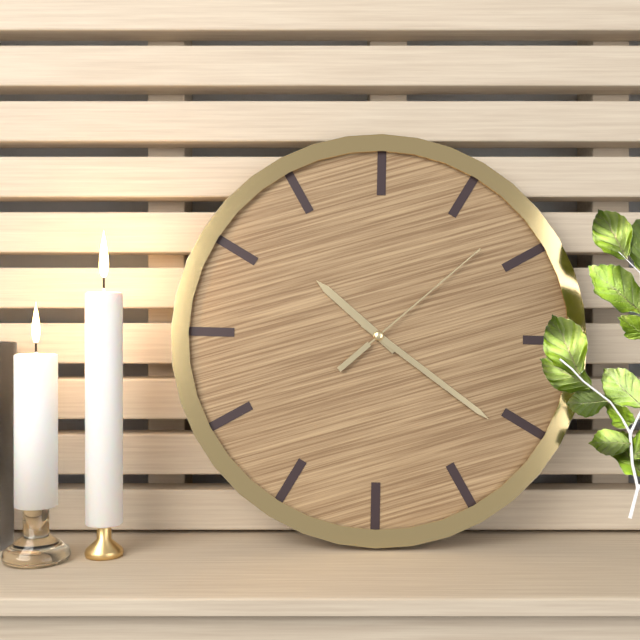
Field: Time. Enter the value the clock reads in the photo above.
10:21:08
